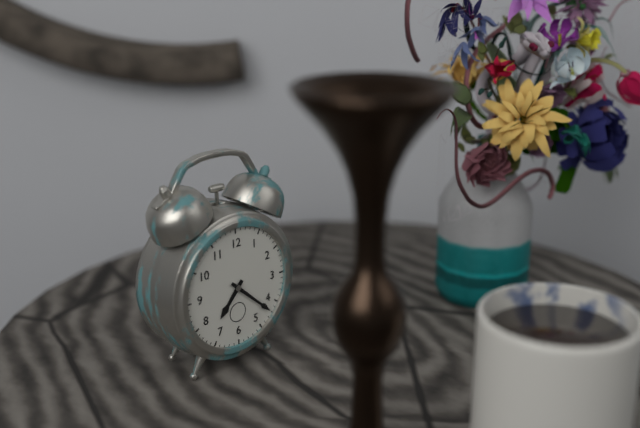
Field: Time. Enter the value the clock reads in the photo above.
7:22
